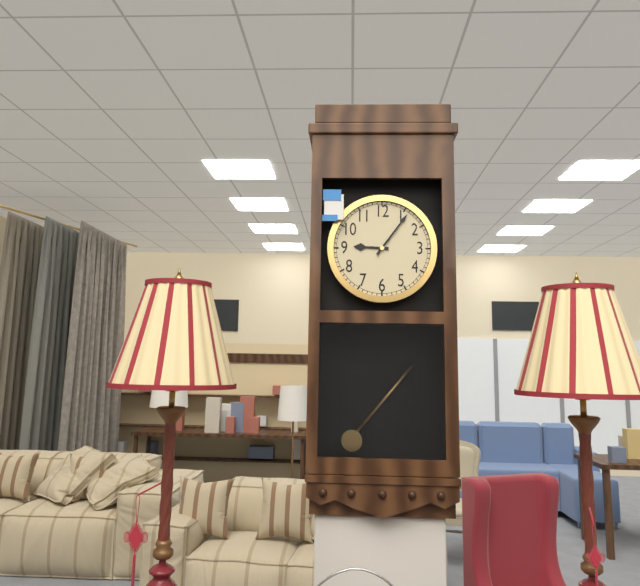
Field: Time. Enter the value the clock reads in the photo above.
9:06
